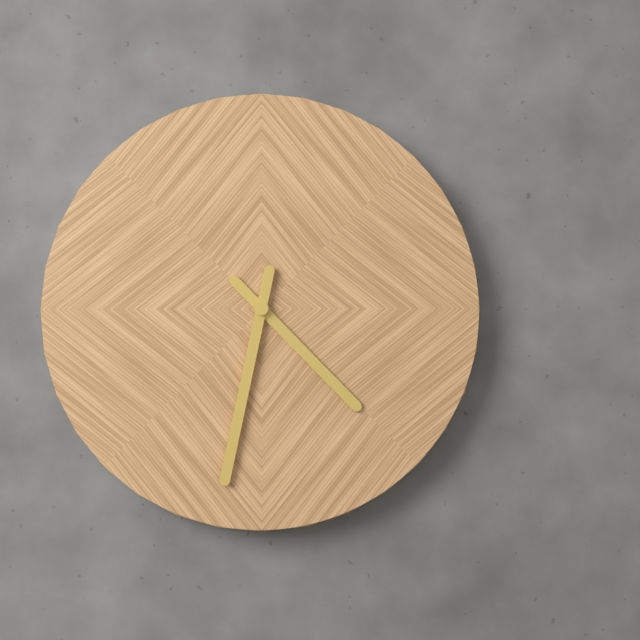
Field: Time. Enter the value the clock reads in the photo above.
4:32
